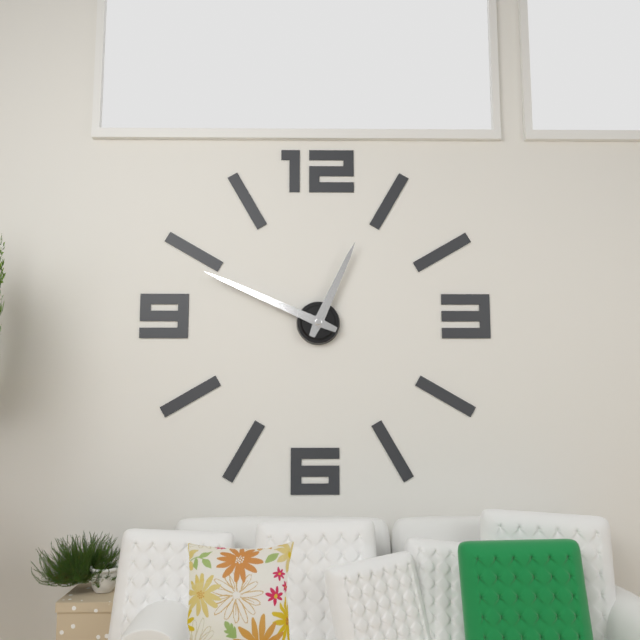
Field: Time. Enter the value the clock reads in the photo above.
12:49
